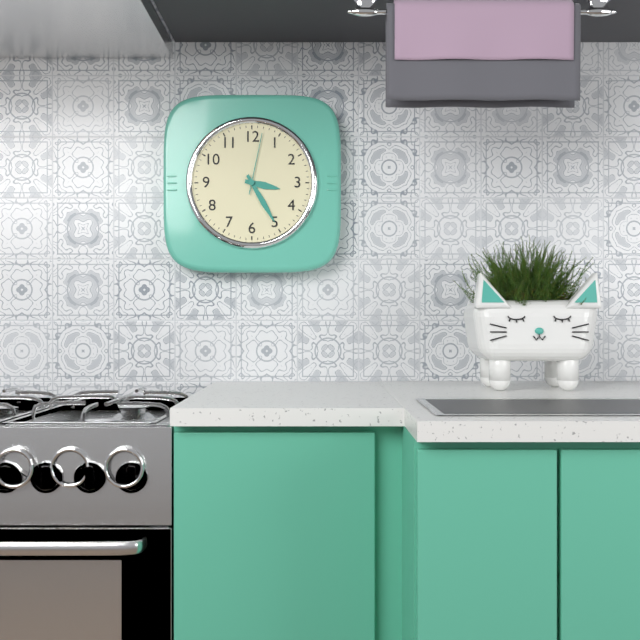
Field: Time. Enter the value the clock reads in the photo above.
3:25:02
